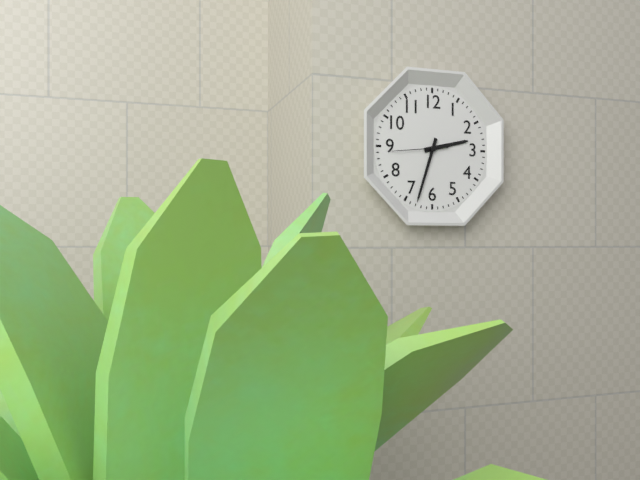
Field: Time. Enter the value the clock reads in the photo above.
2:33:44
